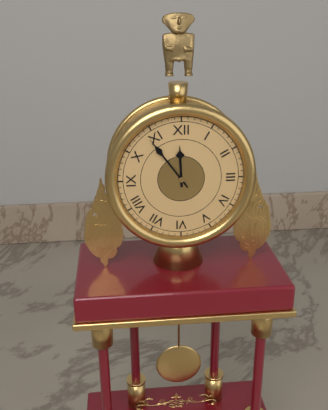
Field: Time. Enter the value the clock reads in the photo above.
11:54
